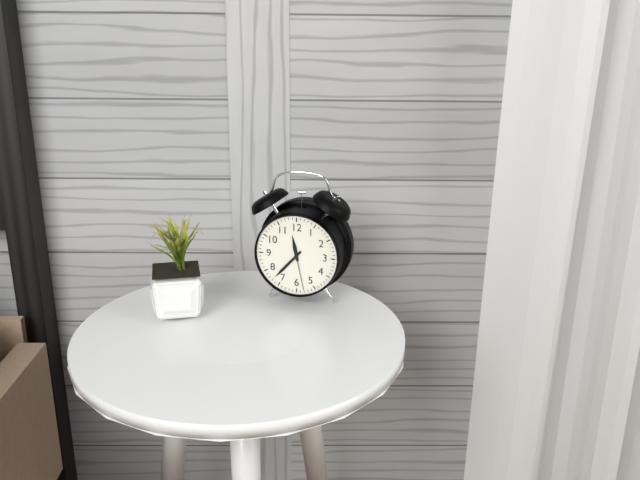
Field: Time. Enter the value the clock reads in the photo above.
11:37
